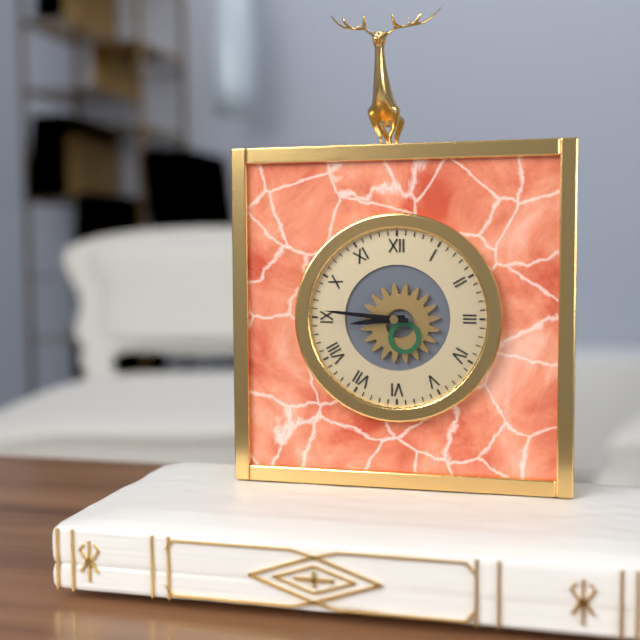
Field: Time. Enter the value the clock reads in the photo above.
8:46
